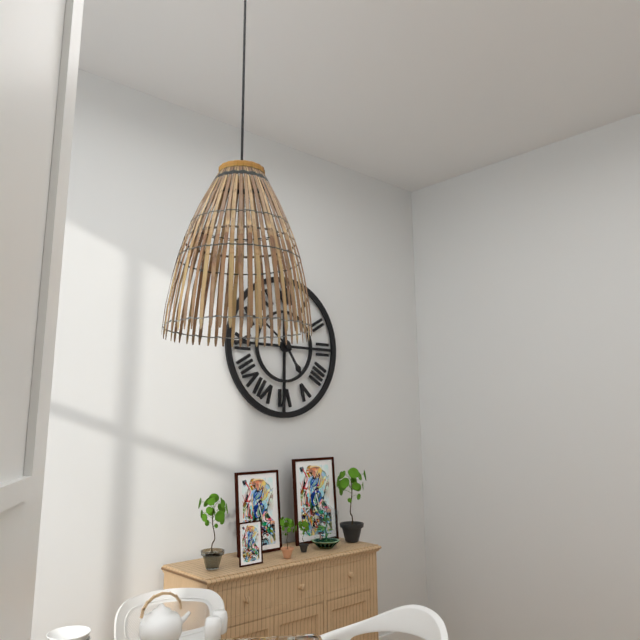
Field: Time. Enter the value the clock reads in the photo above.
4:51
